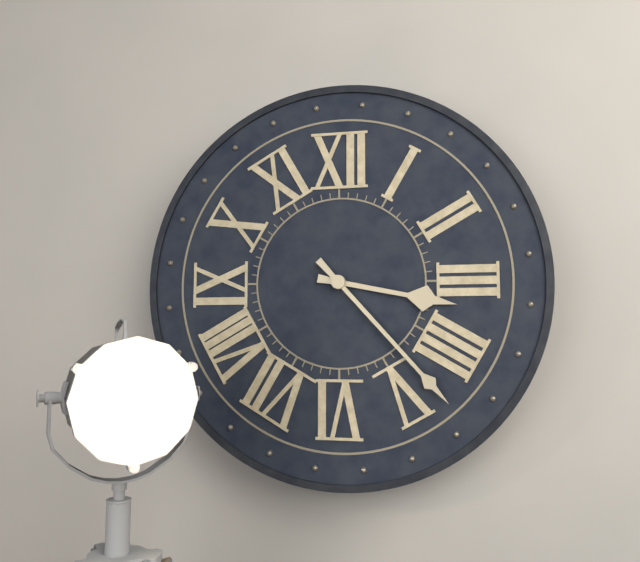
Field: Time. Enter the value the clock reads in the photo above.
3:23
